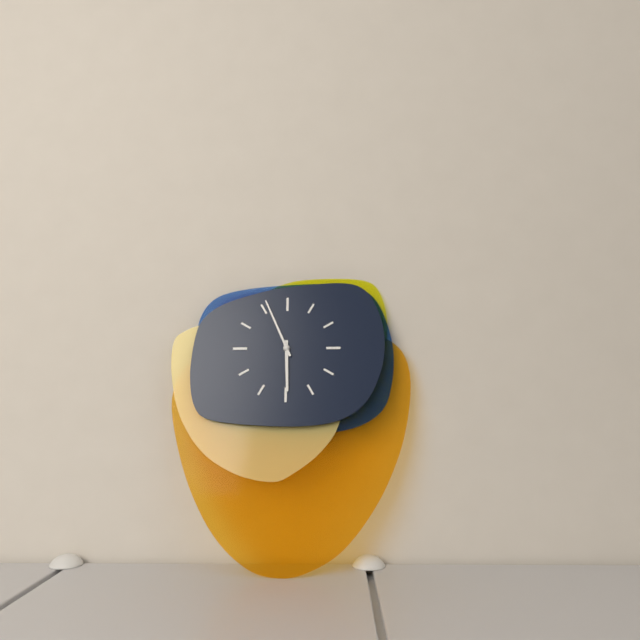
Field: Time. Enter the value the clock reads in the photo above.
5:56
